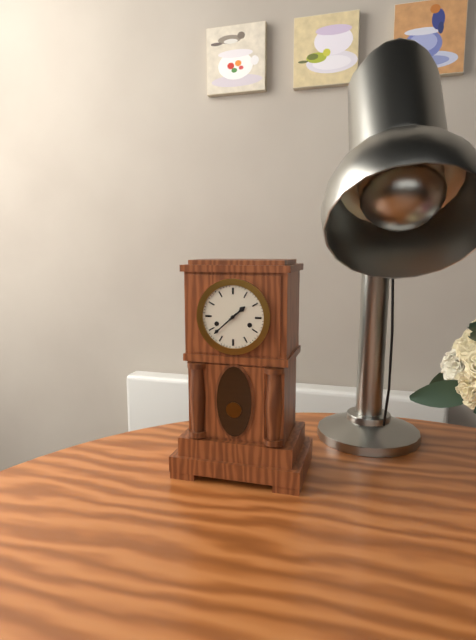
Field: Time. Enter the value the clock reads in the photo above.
1:38
